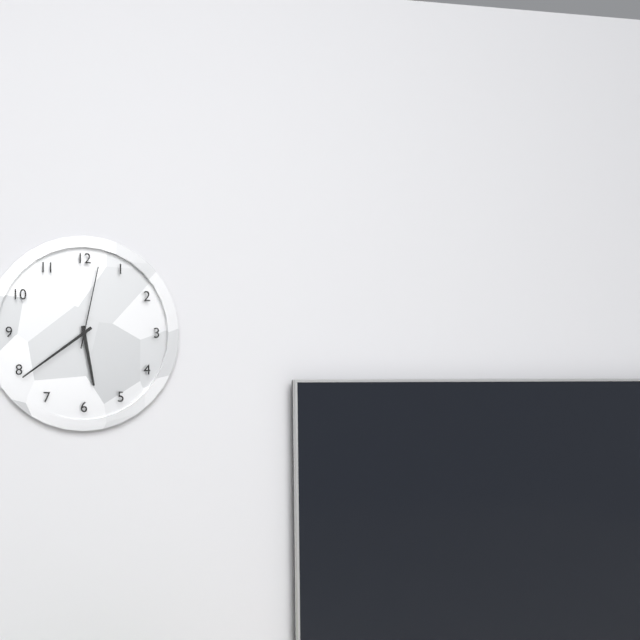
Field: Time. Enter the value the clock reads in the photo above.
5:39:02
